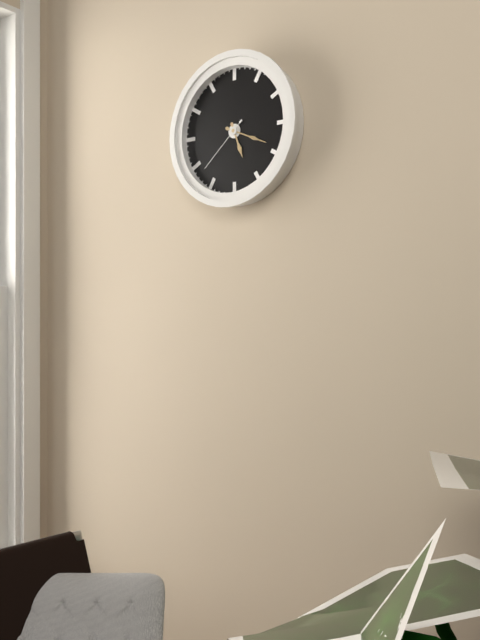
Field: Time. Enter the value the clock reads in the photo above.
5:19:38
